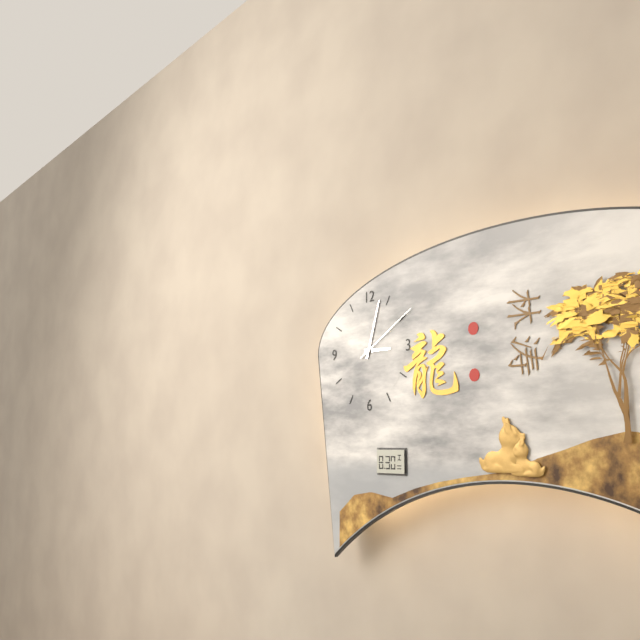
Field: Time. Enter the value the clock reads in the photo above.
3:03:10
